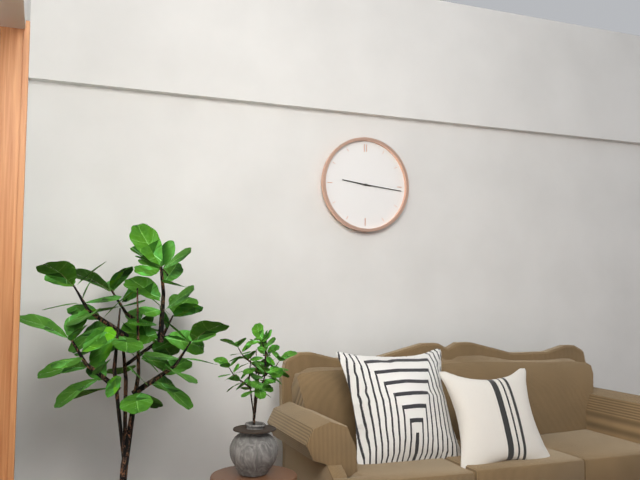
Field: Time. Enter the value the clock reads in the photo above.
9:16
